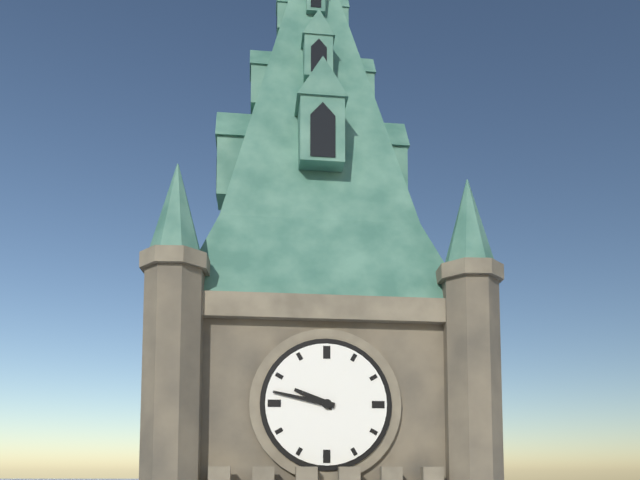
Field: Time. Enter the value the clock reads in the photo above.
9:47
